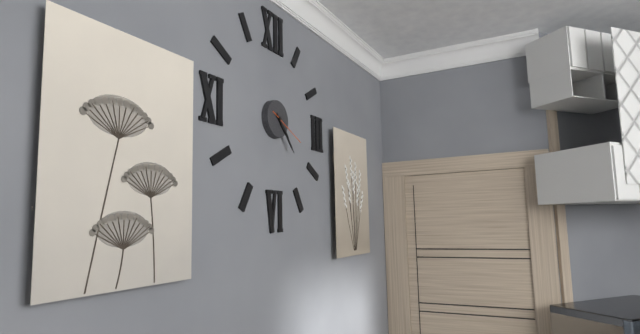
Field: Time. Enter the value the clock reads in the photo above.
4:23
